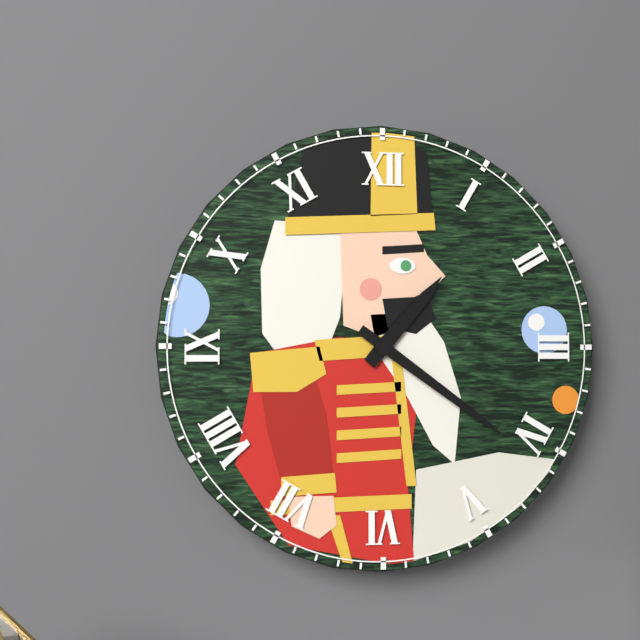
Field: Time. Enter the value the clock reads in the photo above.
1:21
